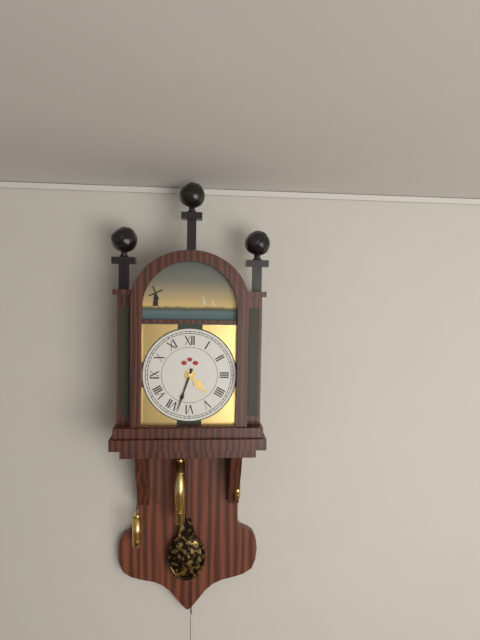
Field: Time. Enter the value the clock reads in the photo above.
4:33
